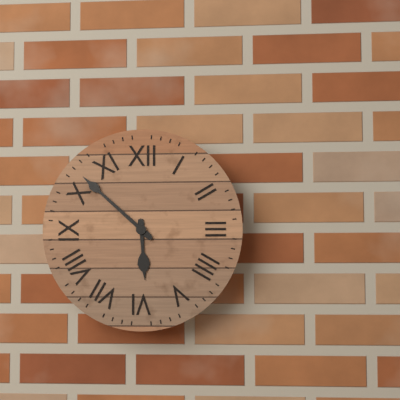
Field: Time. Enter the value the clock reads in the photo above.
5:52
